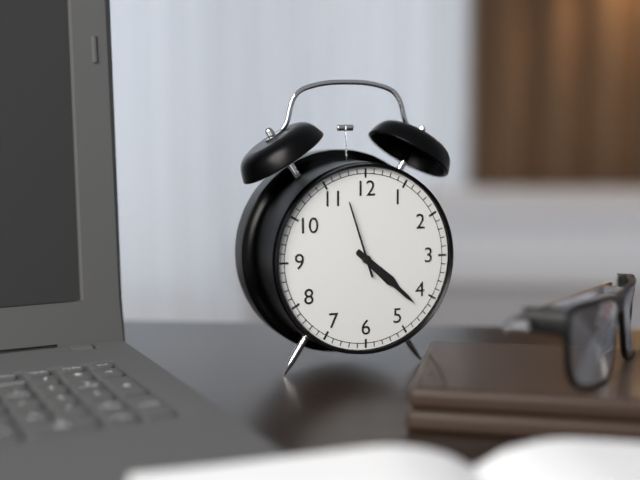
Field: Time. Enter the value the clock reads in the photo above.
4:22:57
